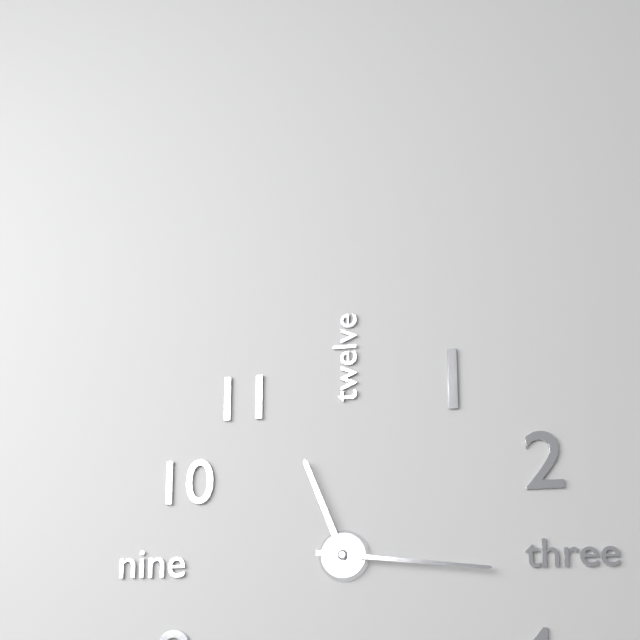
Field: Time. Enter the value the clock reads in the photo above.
11:16
